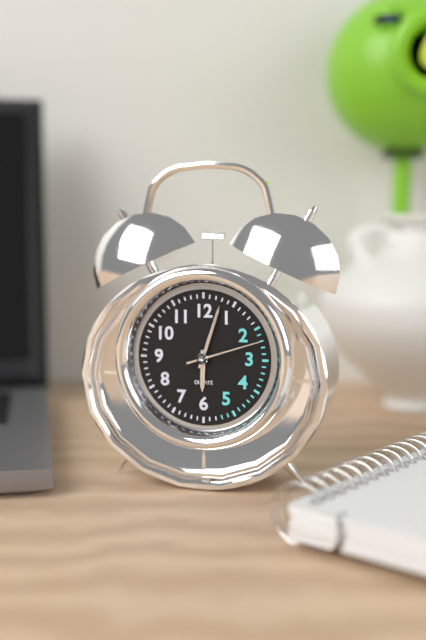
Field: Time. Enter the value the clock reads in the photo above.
6:03:12
